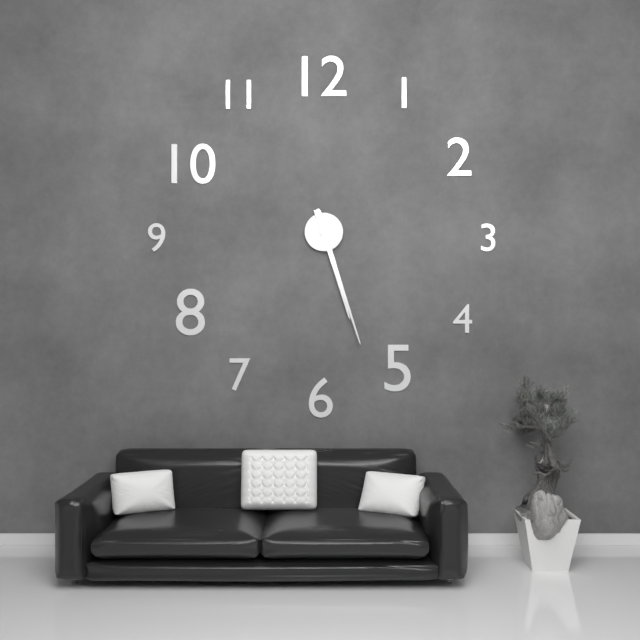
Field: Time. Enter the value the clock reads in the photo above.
5:27
